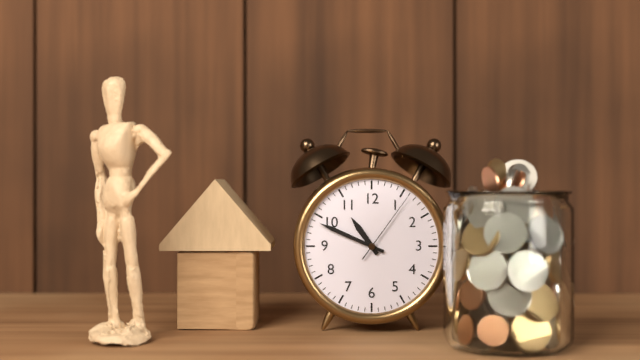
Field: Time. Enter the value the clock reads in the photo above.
10:49:06
